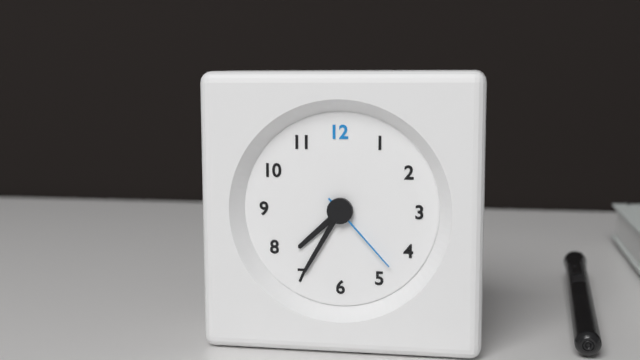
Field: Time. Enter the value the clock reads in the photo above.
7:35:23
